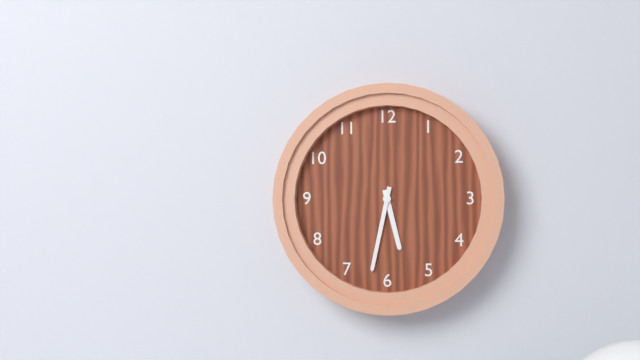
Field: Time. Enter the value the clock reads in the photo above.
5:32
